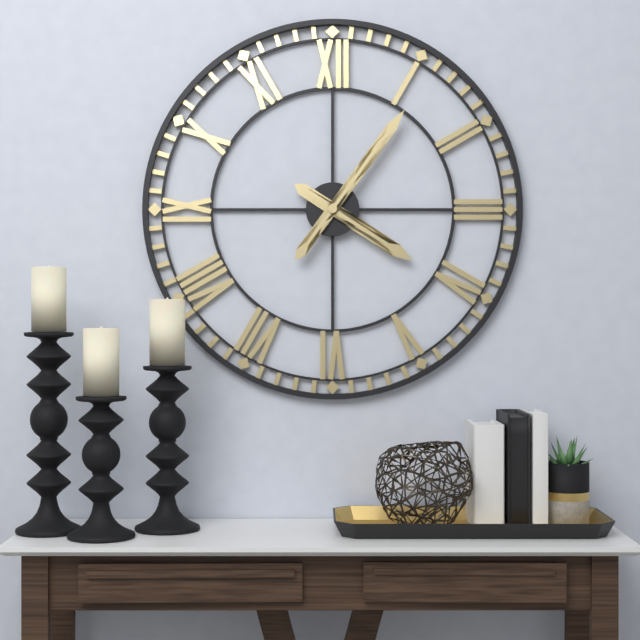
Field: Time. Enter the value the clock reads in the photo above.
4:06
